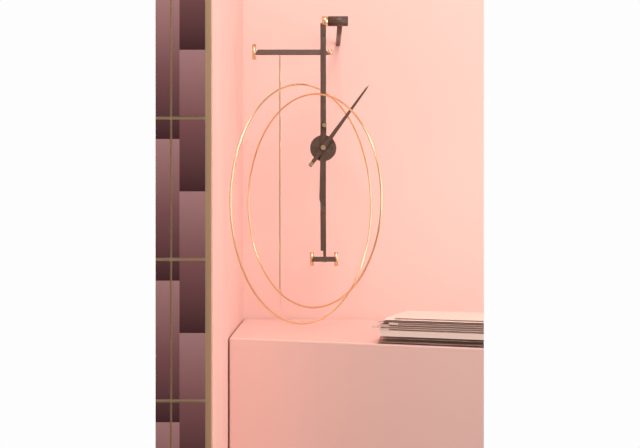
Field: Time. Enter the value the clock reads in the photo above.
6:06
